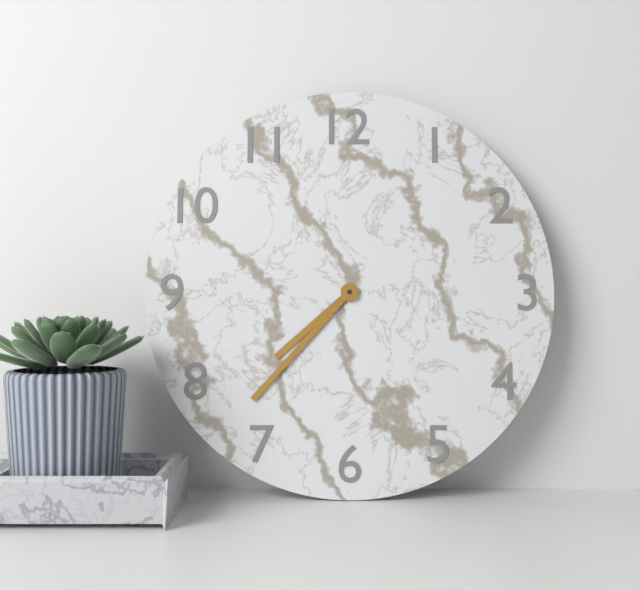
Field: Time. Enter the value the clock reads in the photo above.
7:37
